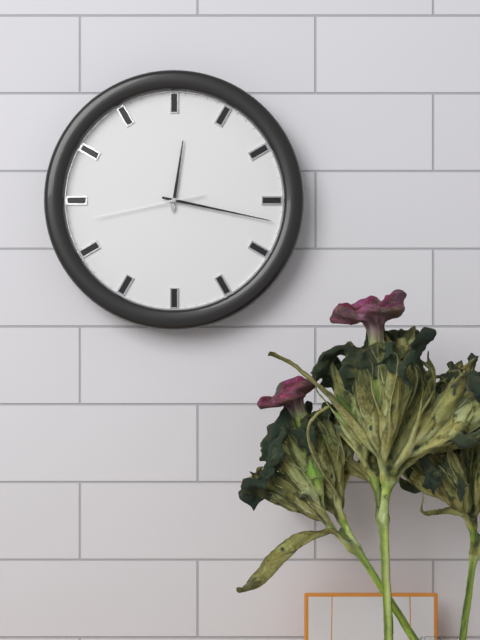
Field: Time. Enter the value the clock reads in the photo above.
12:17:43
